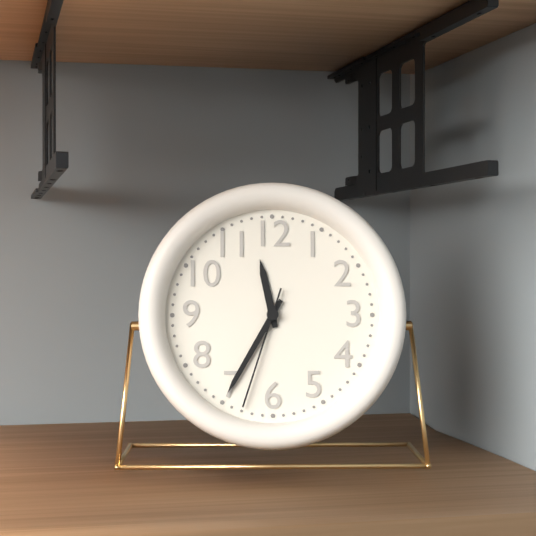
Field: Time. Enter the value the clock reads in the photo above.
11:35:33
